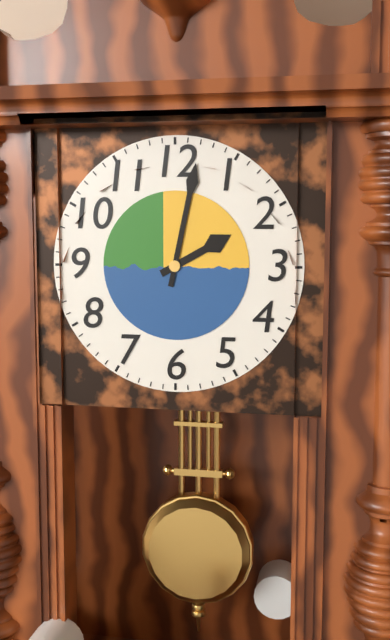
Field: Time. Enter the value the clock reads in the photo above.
2:02
